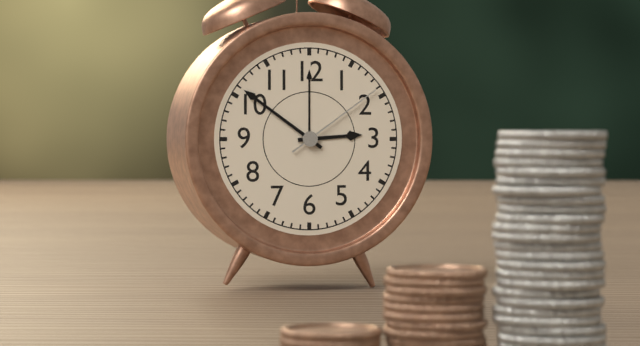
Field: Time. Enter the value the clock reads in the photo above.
2:51:09
